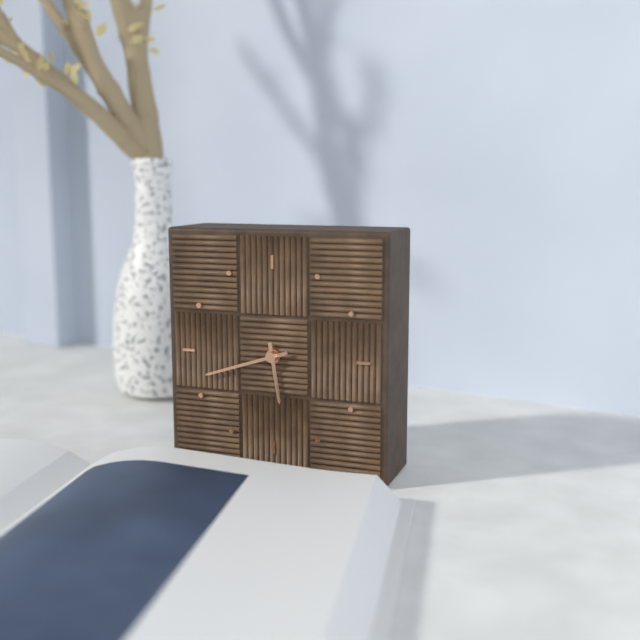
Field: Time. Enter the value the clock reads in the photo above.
5:42
